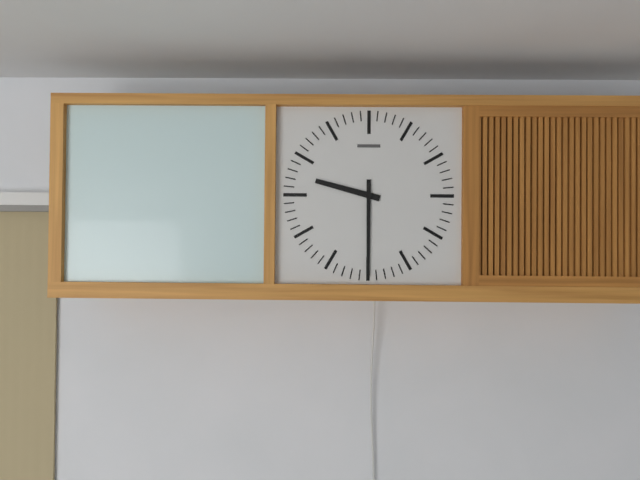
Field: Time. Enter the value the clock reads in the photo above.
9:30
